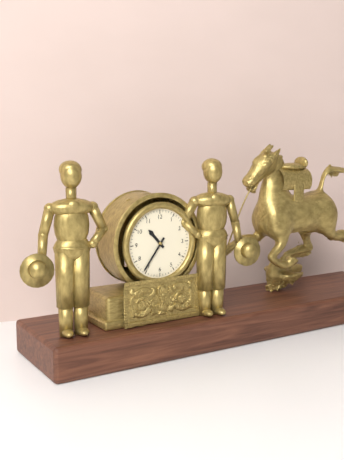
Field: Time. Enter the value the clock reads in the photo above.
10:36
